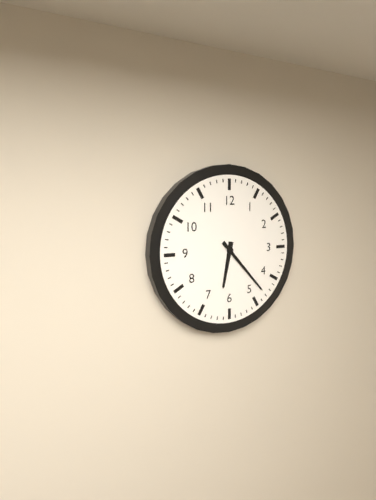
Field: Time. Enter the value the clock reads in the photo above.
6:23
